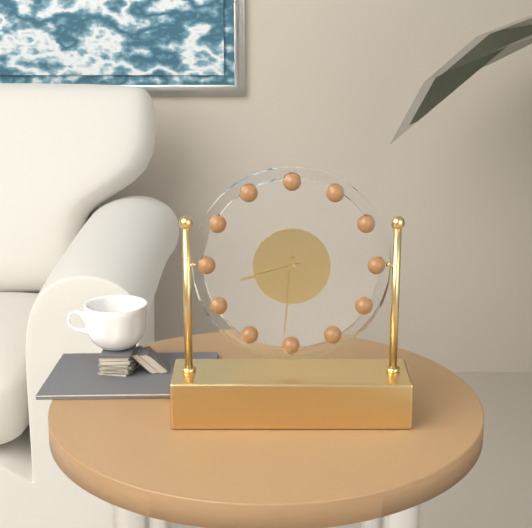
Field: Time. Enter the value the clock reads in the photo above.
8:31
